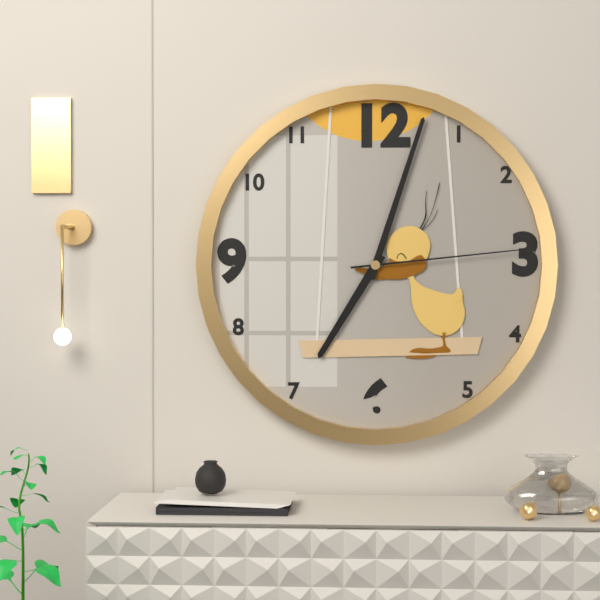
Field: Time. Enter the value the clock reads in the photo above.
7:03:14
